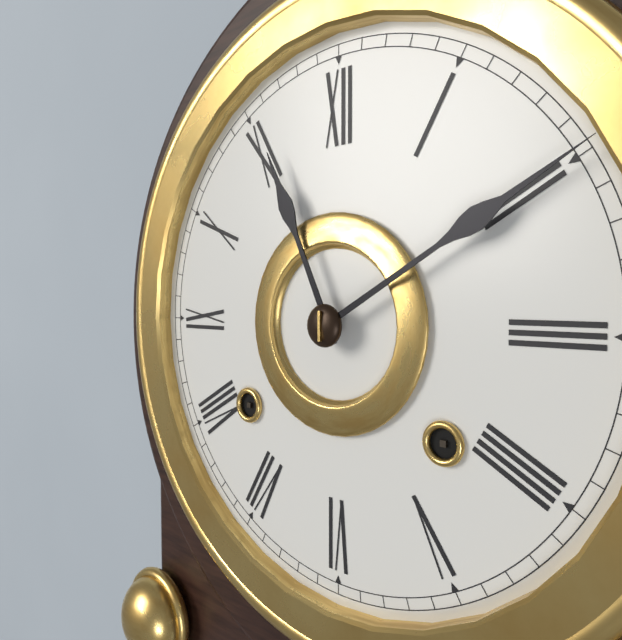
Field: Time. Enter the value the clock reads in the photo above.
11:10
